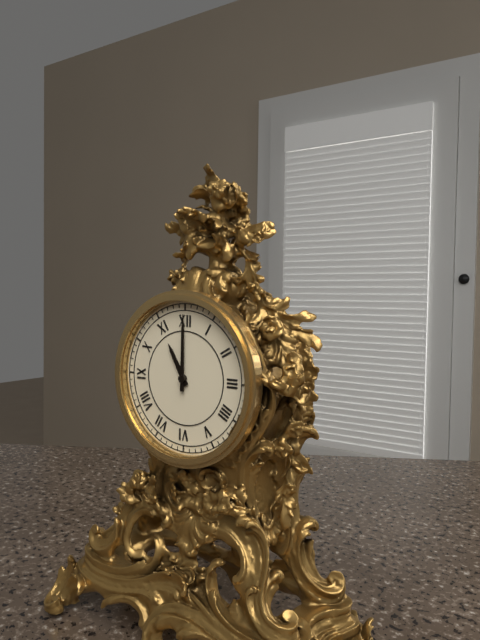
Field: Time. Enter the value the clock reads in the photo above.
11:00
